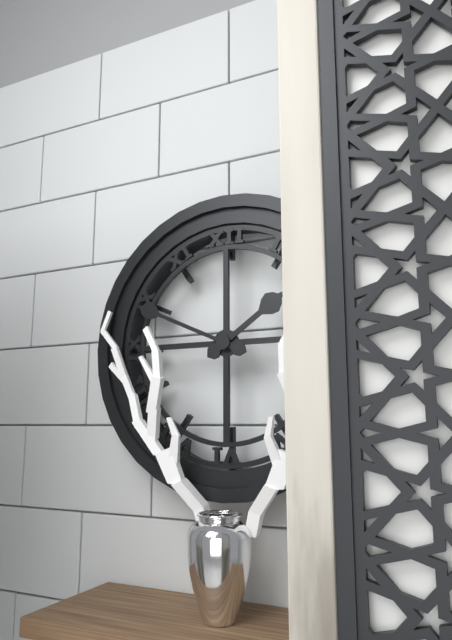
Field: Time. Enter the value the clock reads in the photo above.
1:49
